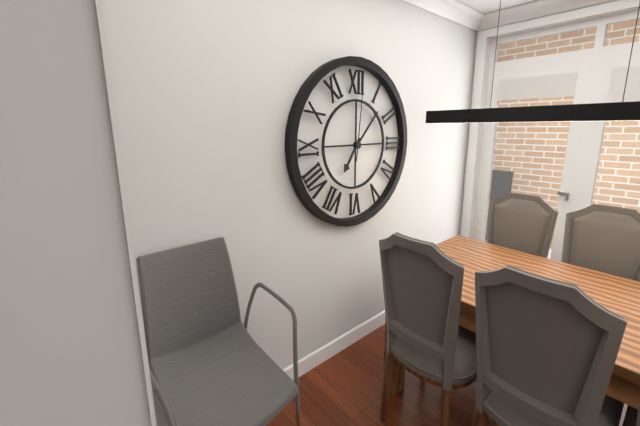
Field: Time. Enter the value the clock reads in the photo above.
7:07:01
